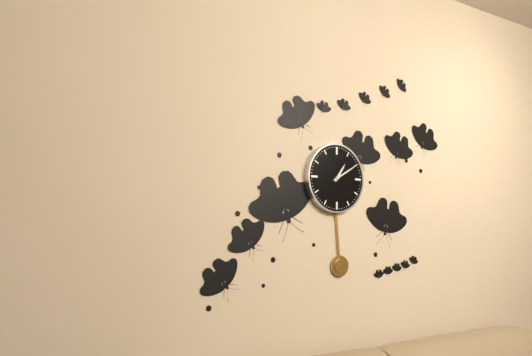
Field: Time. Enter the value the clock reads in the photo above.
1:10
